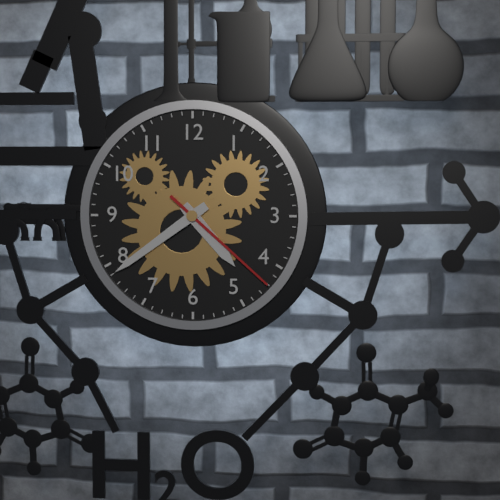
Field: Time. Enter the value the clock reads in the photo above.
4:39:22
